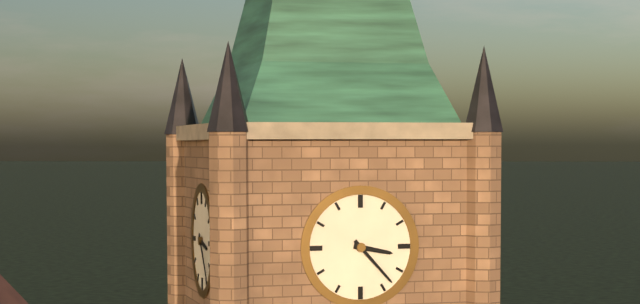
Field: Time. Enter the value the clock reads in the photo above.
3:23
